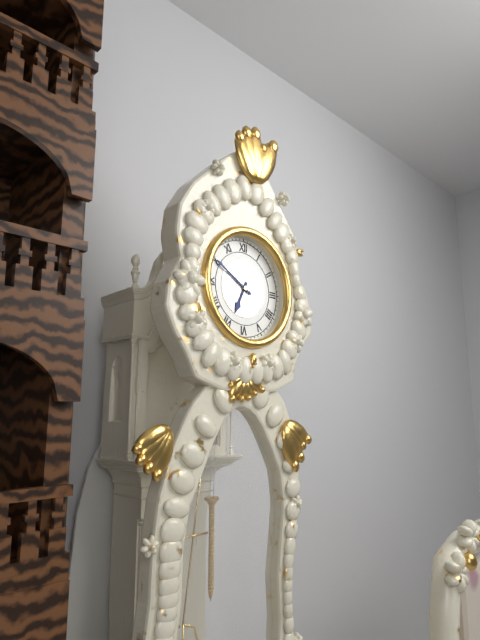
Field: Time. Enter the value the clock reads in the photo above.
6:50
